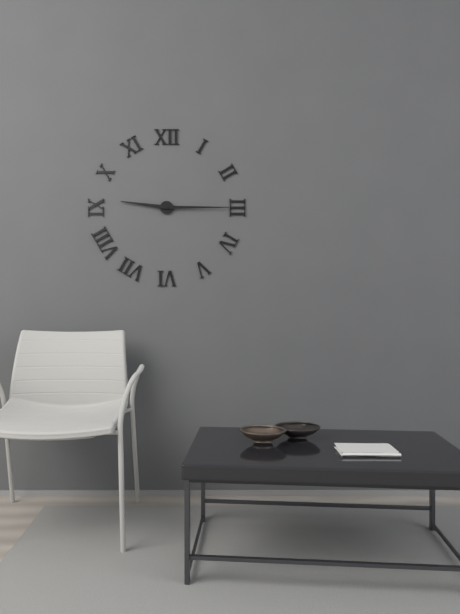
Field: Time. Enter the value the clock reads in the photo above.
9:15
